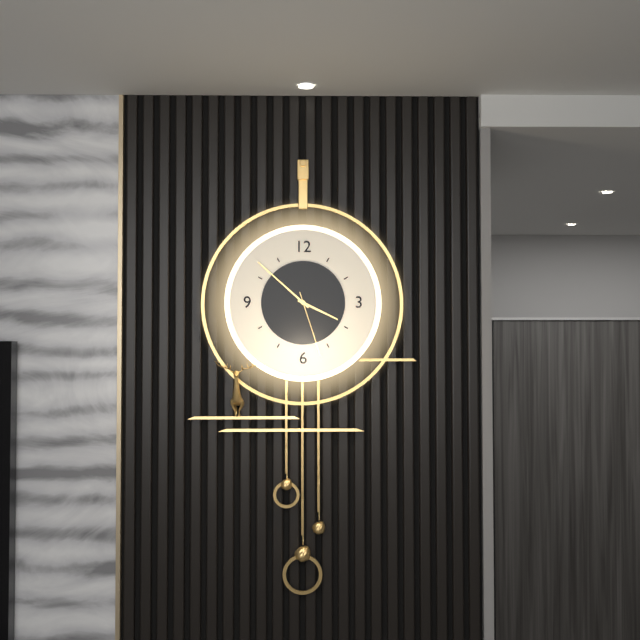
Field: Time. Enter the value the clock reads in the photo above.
3:52:27
